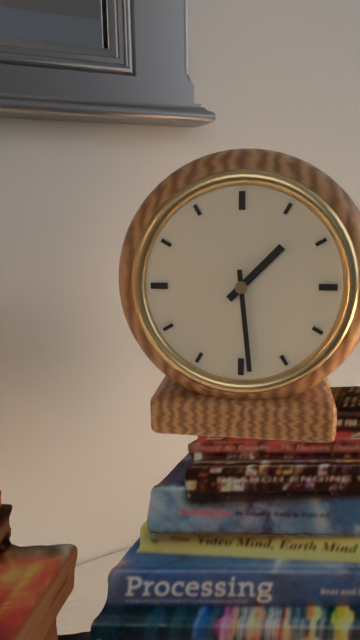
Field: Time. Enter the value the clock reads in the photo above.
1:29
